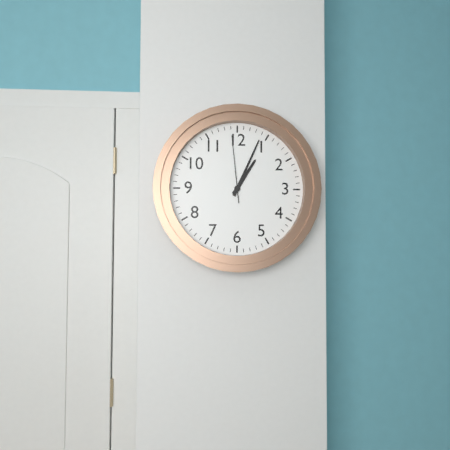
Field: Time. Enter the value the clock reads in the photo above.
1:04:59
